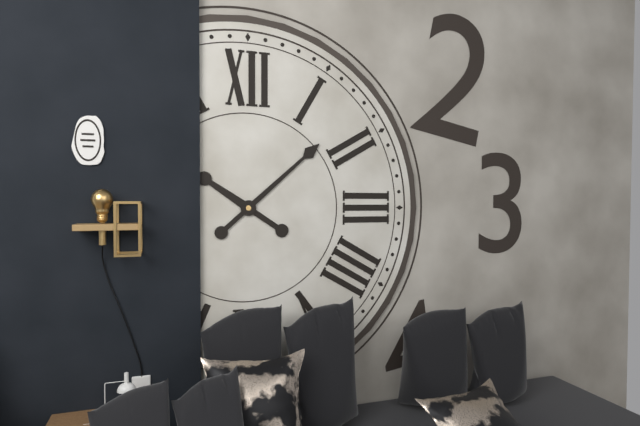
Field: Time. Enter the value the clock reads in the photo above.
10:08
